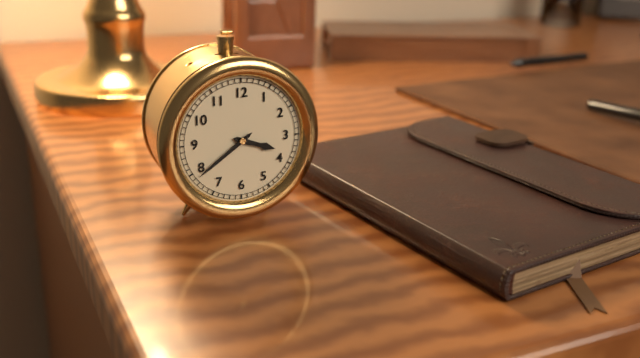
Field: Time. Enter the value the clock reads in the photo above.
3:39
